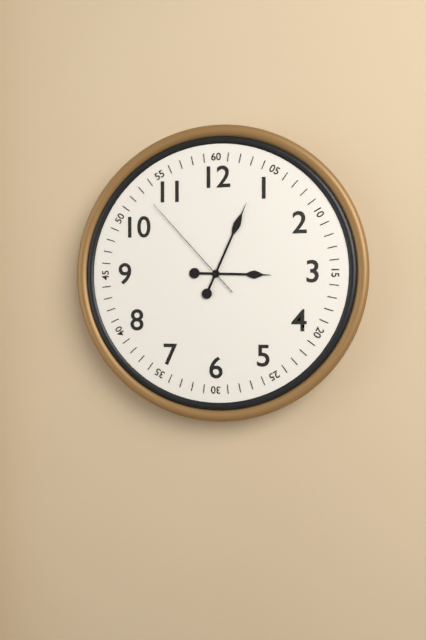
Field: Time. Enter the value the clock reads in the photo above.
3:04:53
